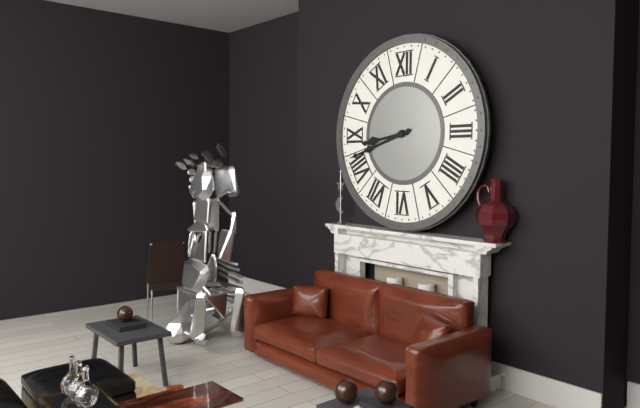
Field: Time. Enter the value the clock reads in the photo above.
8:42
